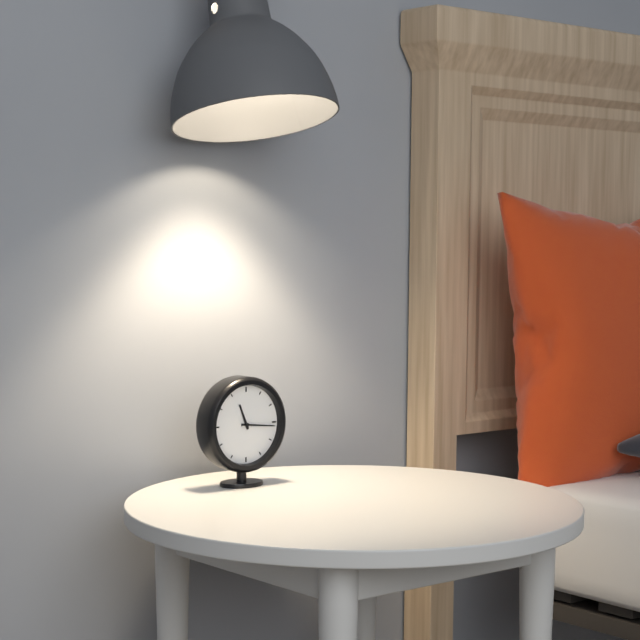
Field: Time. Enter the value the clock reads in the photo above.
11:16
